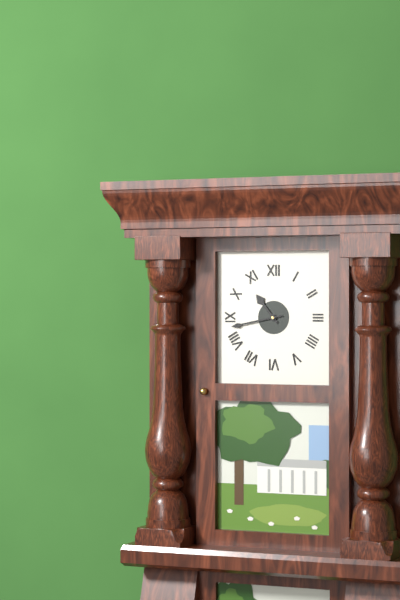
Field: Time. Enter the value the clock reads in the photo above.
10:43
